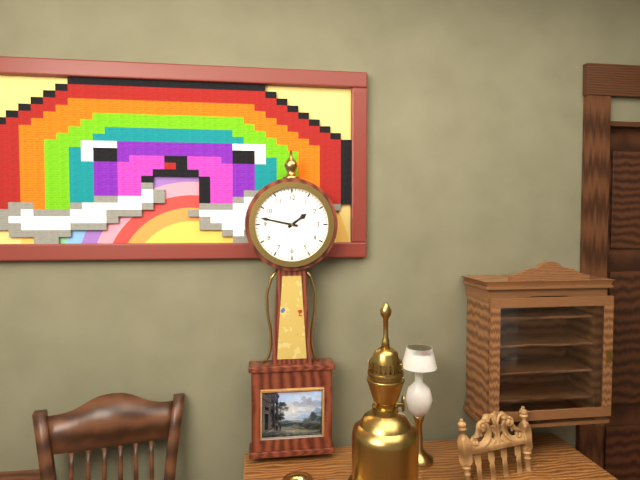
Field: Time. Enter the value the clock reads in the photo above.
1:47
